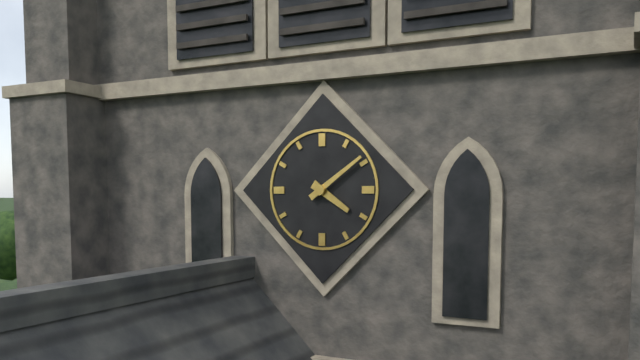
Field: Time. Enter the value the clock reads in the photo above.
4:09
